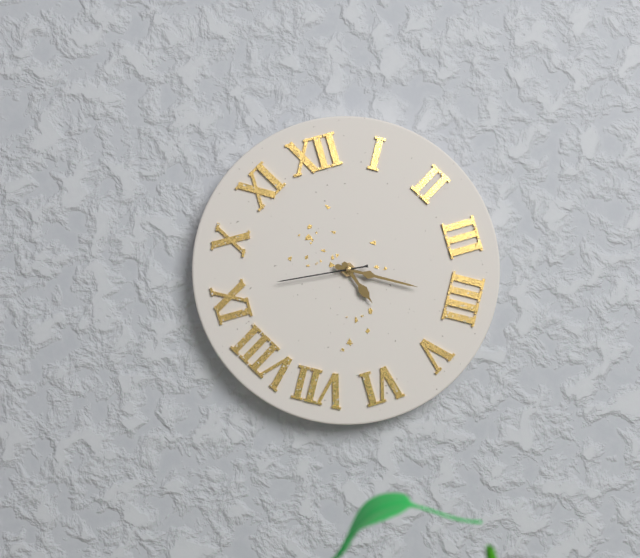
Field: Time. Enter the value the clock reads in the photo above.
5:20:46
